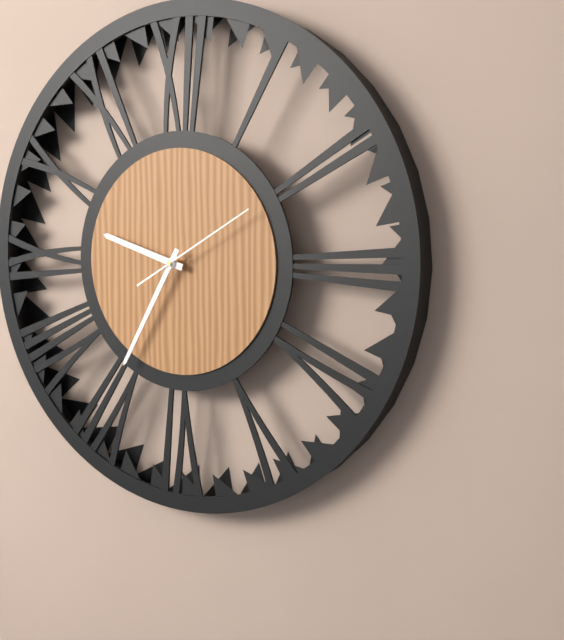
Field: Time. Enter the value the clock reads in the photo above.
9:35:10
